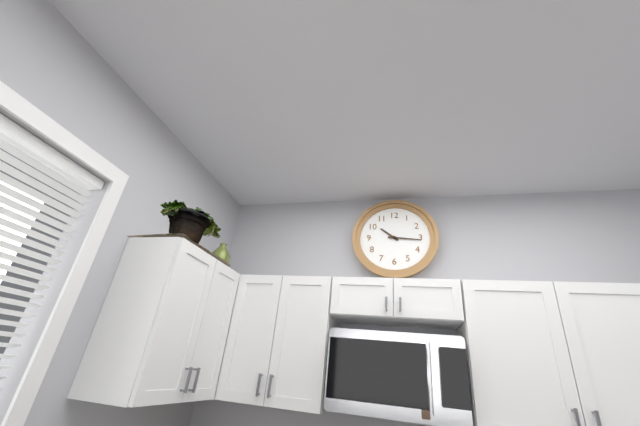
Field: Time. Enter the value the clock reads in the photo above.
10:16
